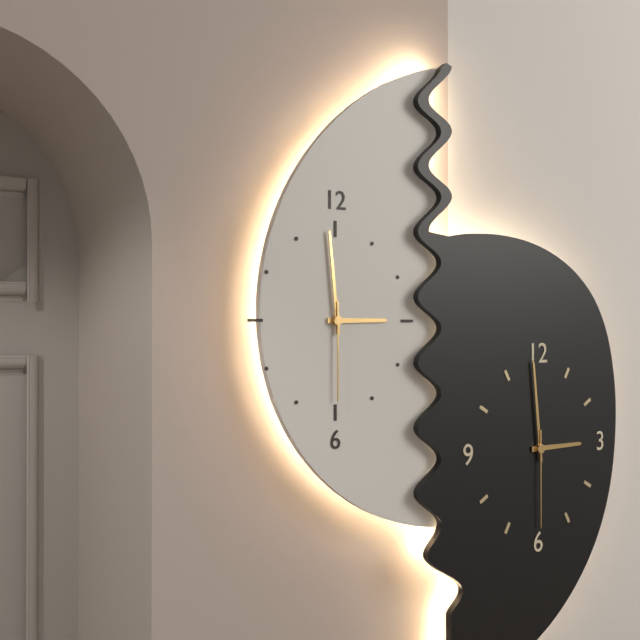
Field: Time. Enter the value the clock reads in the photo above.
2:59:30
